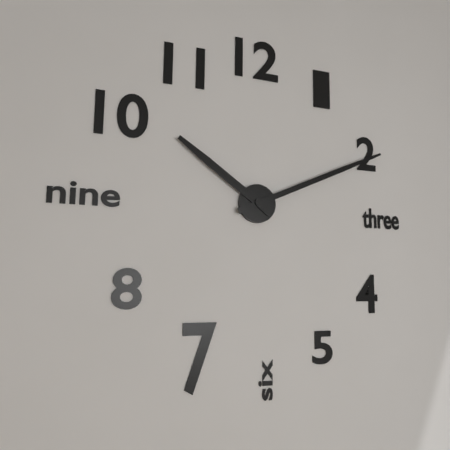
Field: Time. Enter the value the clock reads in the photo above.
10:11
